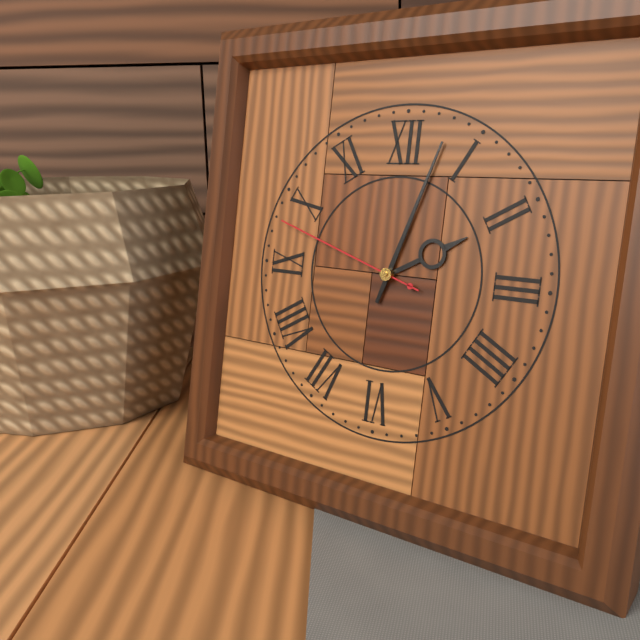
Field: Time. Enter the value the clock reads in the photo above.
2:03:48
